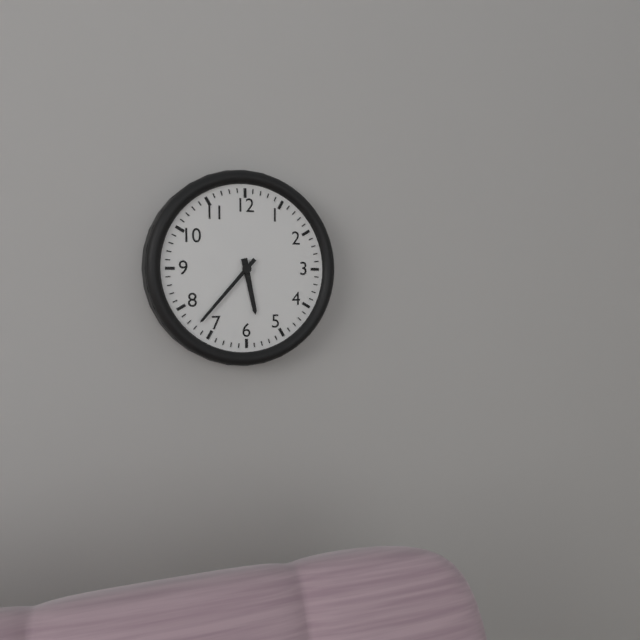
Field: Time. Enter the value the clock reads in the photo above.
5:37
